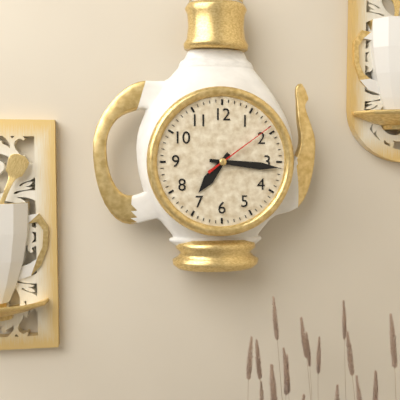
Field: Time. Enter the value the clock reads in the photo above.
7:16:09
